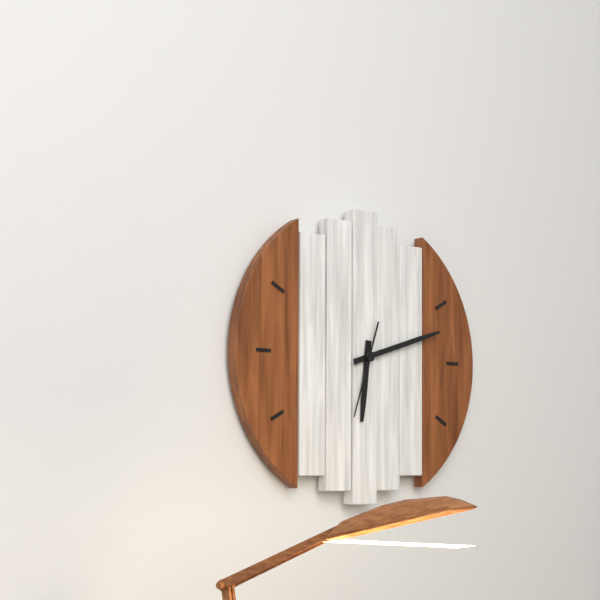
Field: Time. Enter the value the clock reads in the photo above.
6:12:33
